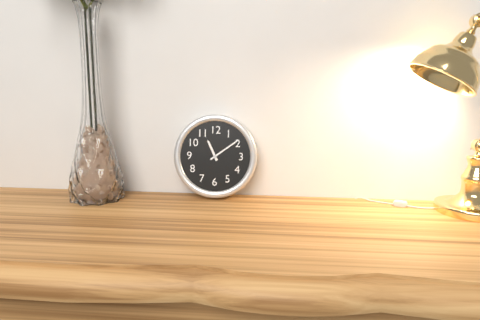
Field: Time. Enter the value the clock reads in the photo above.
11:09
